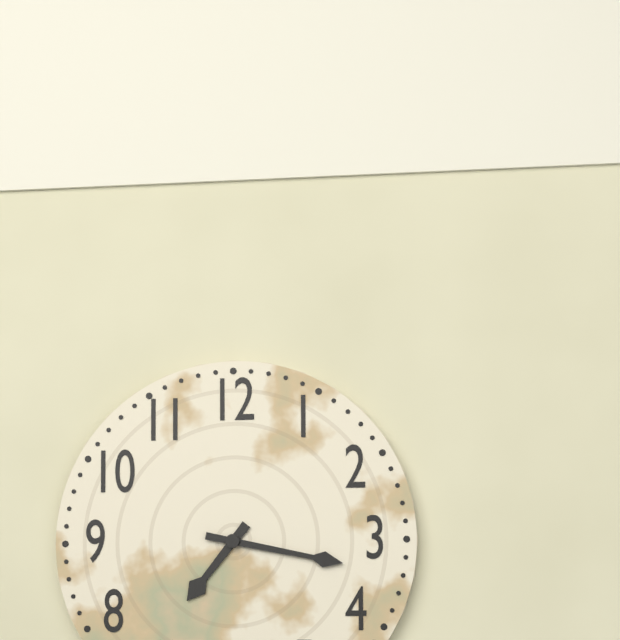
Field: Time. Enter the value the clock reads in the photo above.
7:17
